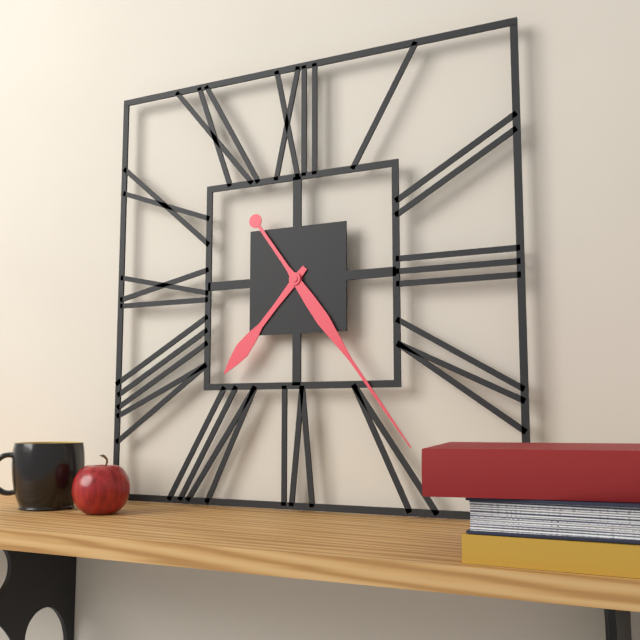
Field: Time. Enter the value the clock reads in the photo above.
7:24
